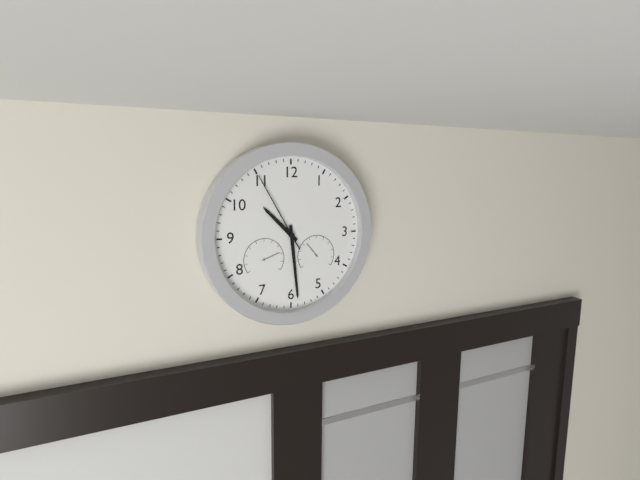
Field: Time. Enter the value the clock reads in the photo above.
10:29:55
